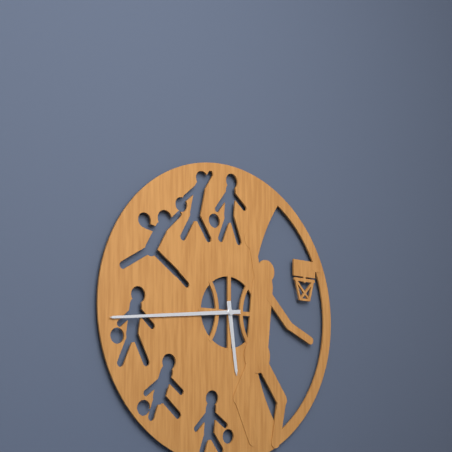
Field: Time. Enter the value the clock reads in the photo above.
5:44
